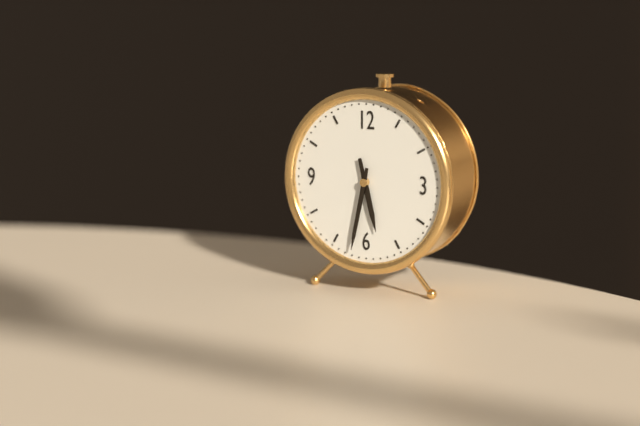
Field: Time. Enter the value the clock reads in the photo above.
5:32
